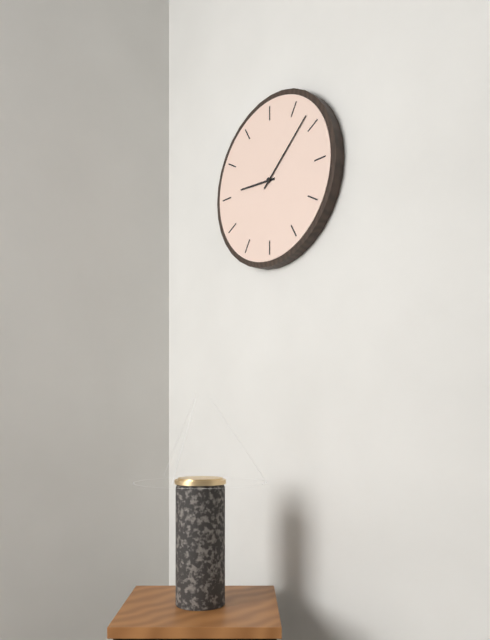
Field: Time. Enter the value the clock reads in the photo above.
9:08
